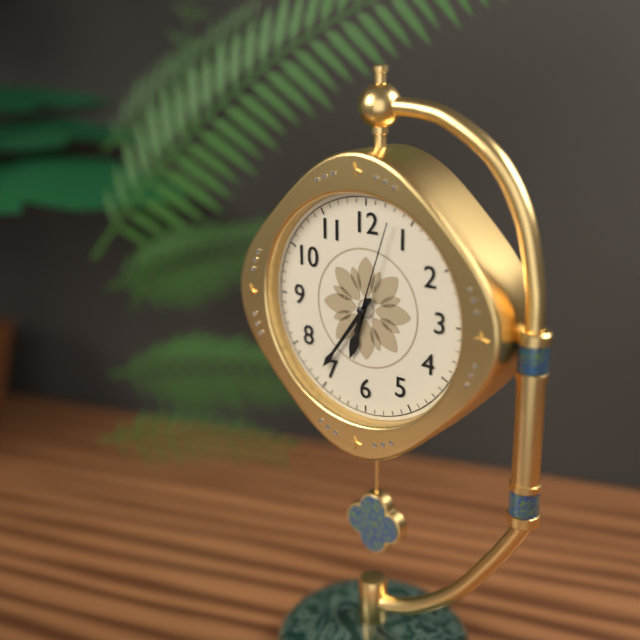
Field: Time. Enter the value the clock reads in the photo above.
6:36:03
